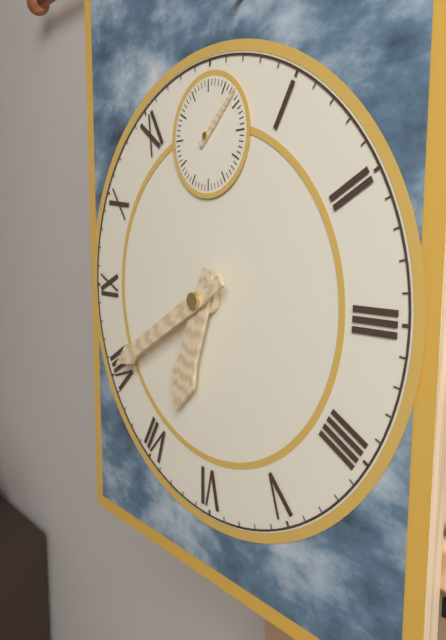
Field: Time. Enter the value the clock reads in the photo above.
6:40:08
